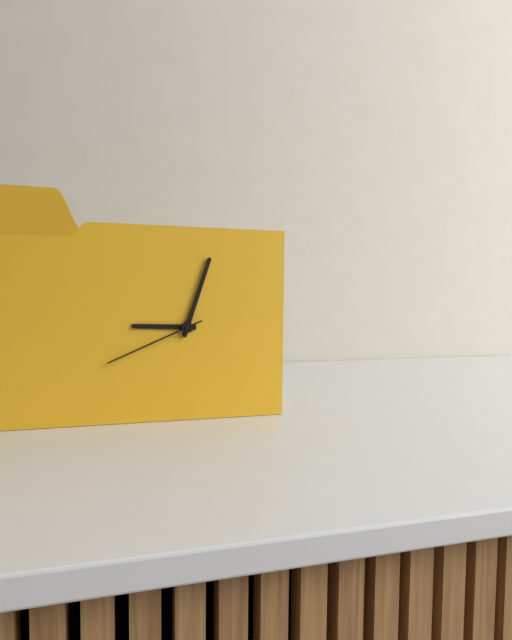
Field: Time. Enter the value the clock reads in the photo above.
9:03:41
